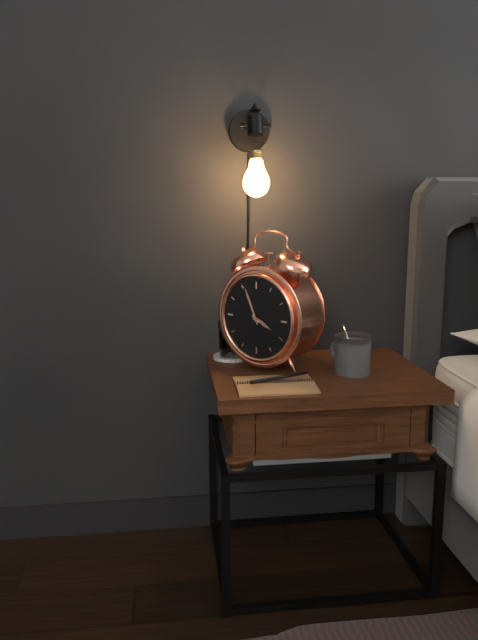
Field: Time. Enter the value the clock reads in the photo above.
3:56
